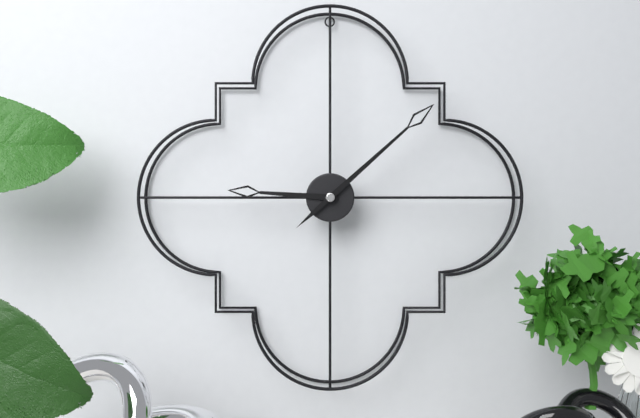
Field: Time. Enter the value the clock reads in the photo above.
9:08
